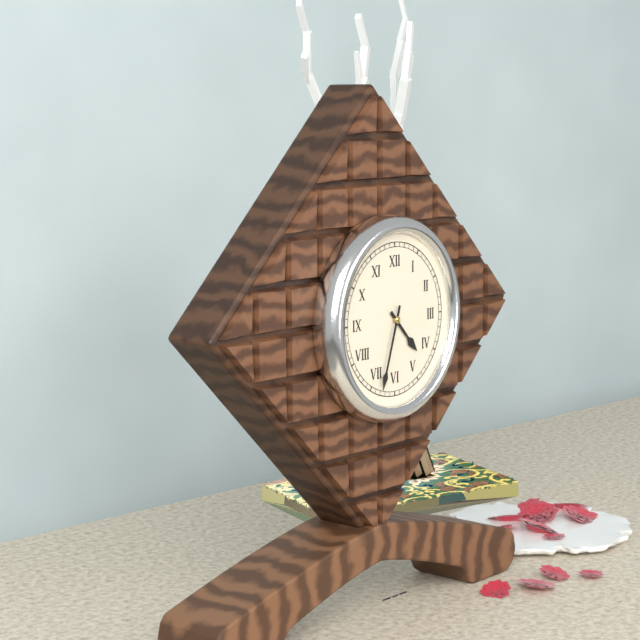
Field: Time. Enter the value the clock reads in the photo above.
4:33
